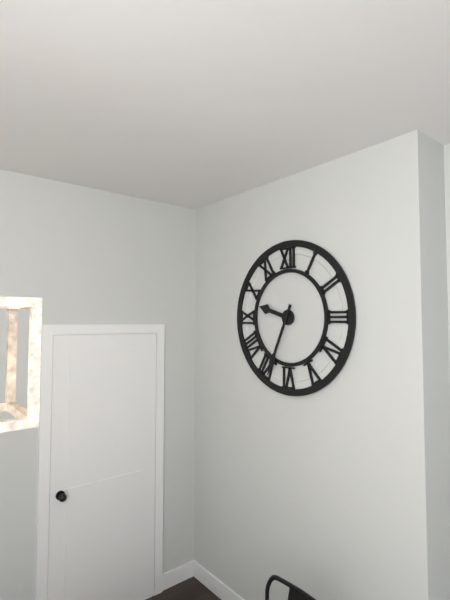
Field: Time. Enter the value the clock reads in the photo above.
9:34
